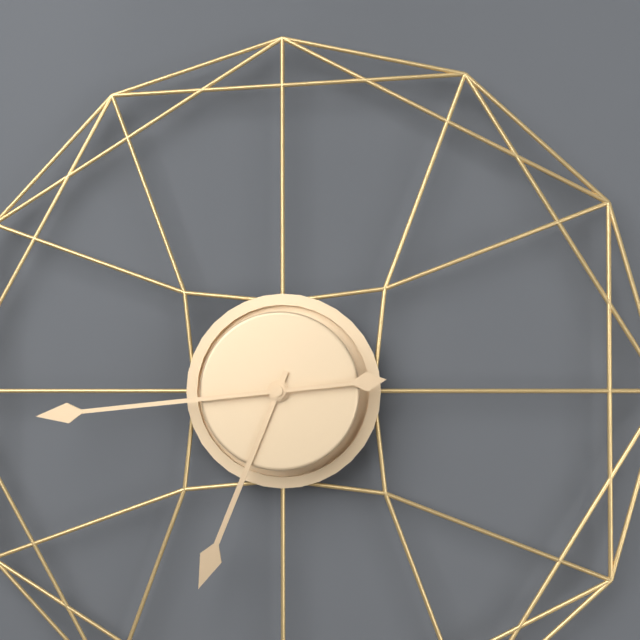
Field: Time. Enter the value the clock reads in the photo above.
6:44
